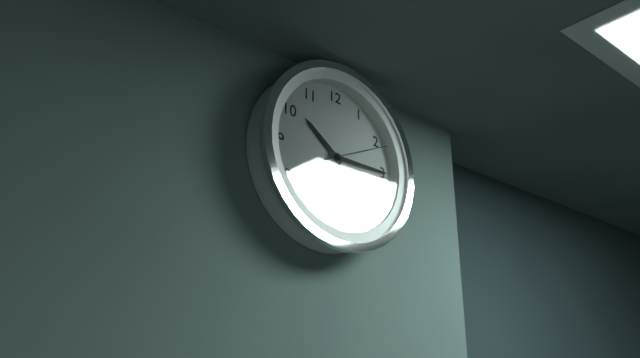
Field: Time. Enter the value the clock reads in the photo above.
10:15:11
